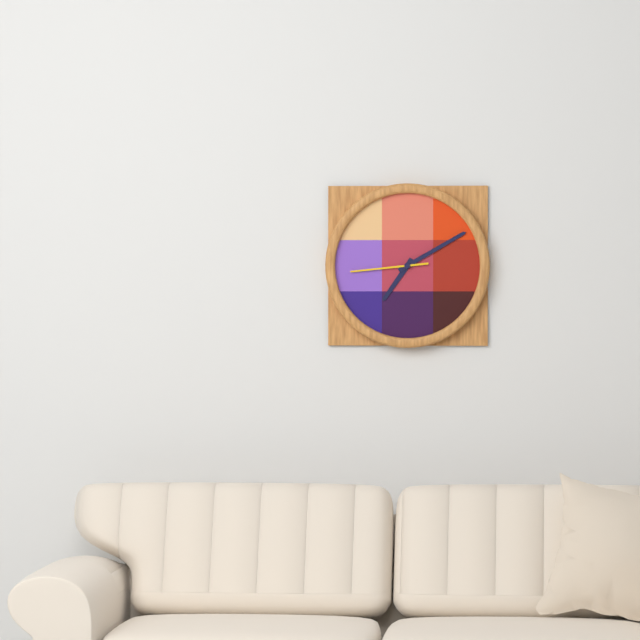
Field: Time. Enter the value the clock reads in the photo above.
7:10:44
